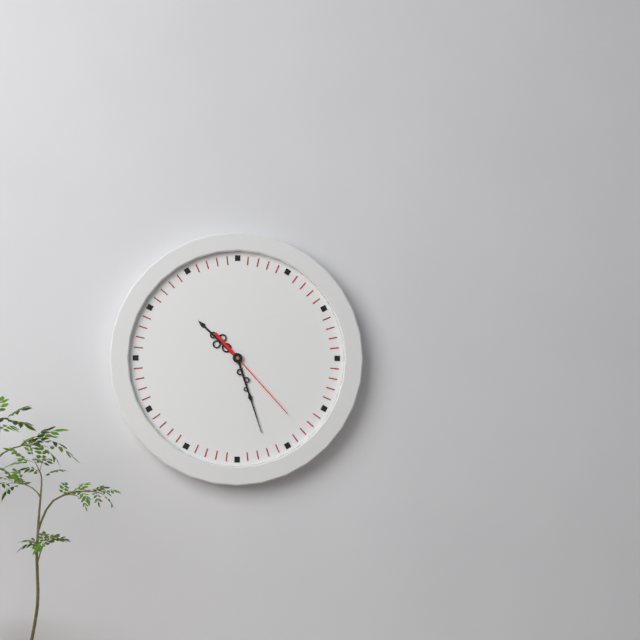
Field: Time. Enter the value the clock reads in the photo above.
10:27:23
